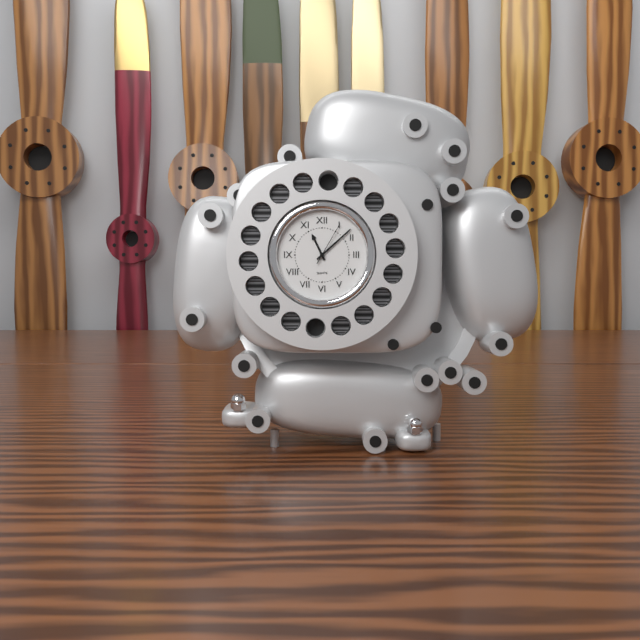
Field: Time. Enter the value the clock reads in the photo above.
11:08
